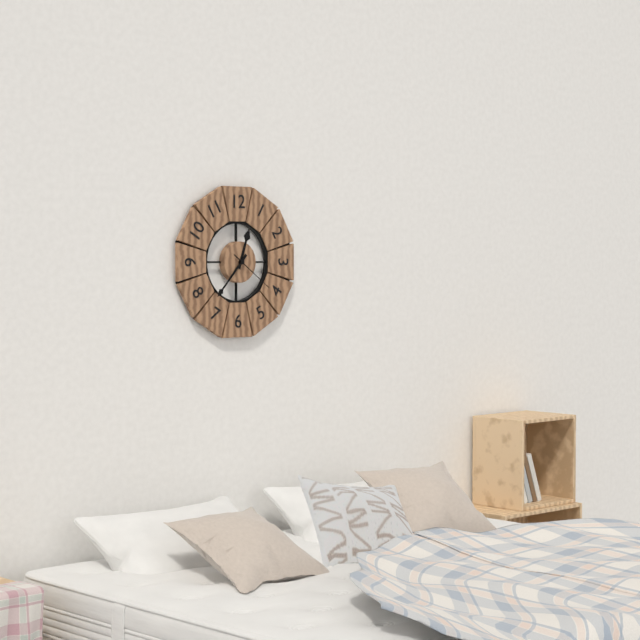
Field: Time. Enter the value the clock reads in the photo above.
12:37
